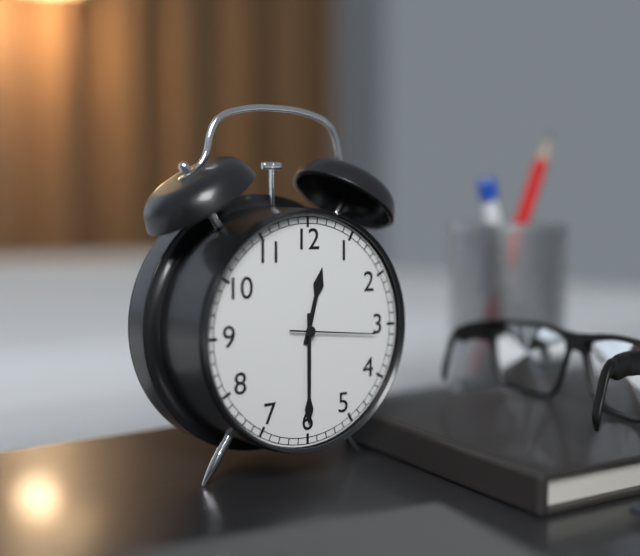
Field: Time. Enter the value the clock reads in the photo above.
12:30:16
